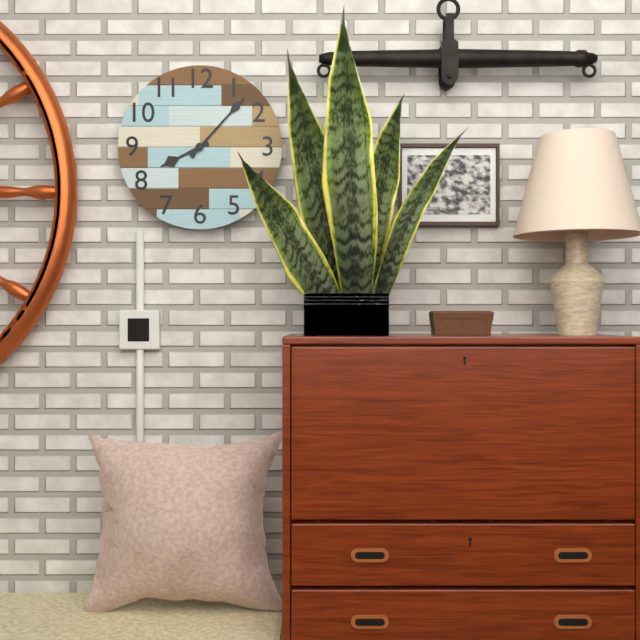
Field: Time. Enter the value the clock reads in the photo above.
8:07
